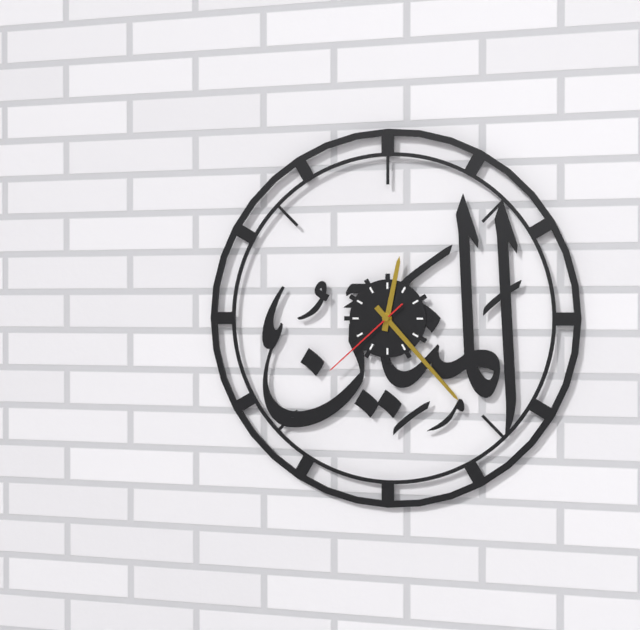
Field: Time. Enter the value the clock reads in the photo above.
12:23:38
